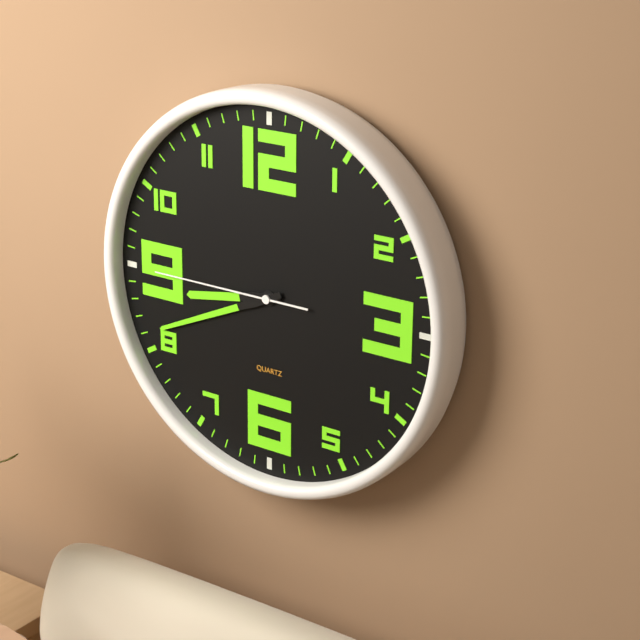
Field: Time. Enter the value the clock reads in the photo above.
8:41:45
